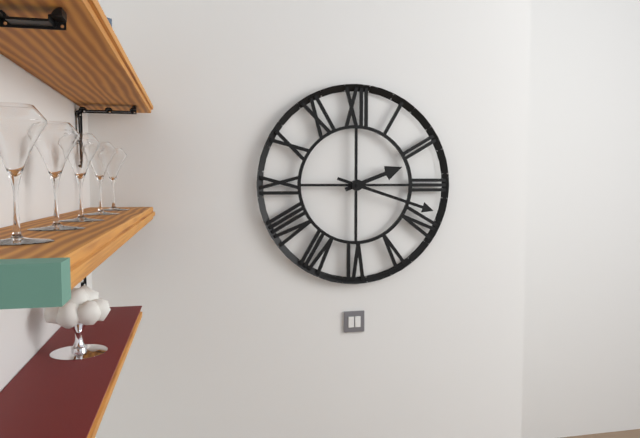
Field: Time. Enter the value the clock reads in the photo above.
2:18
